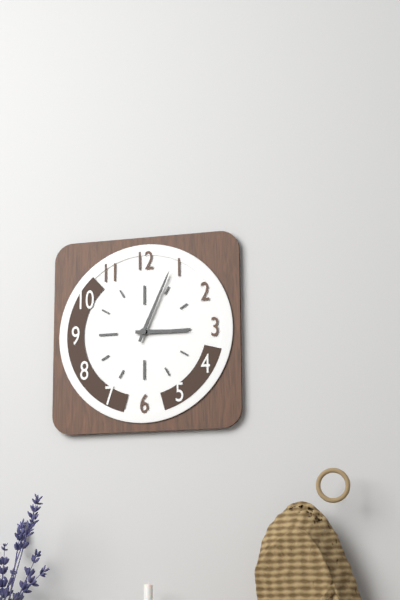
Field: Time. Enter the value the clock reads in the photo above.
3:04
